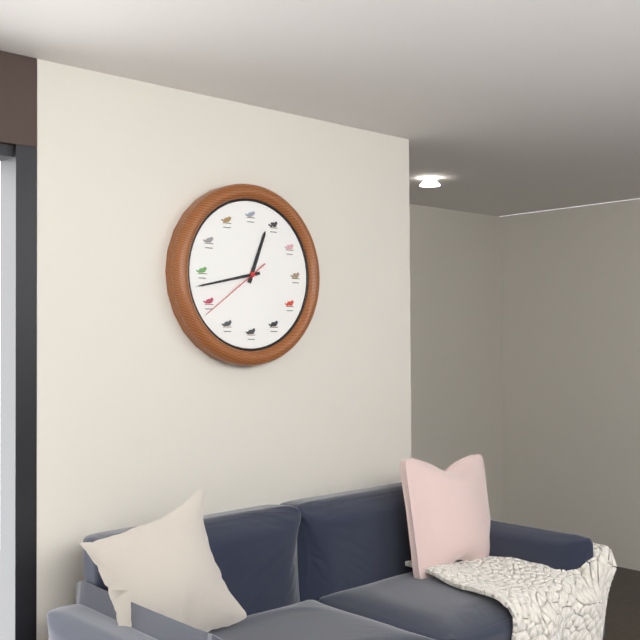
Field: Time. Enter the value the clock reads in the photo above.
12:43:39
